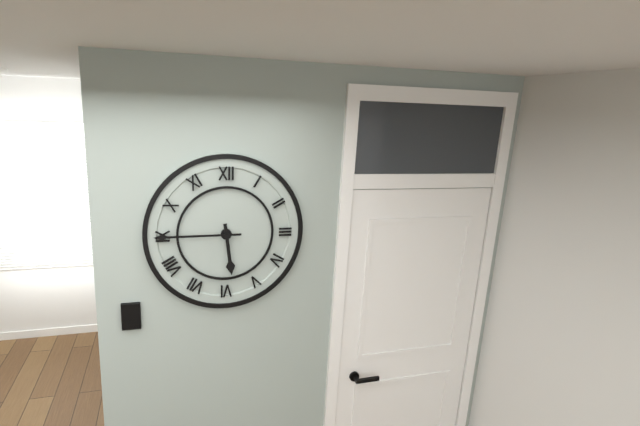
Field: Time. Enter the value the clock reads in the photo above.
5:45
